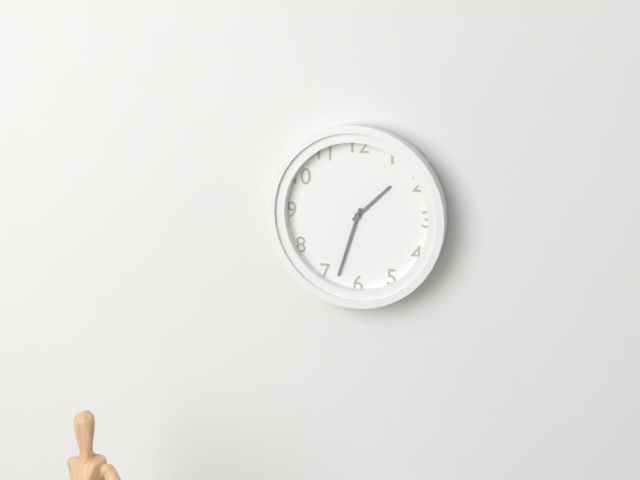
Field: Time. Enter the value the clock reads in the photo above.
1:33
